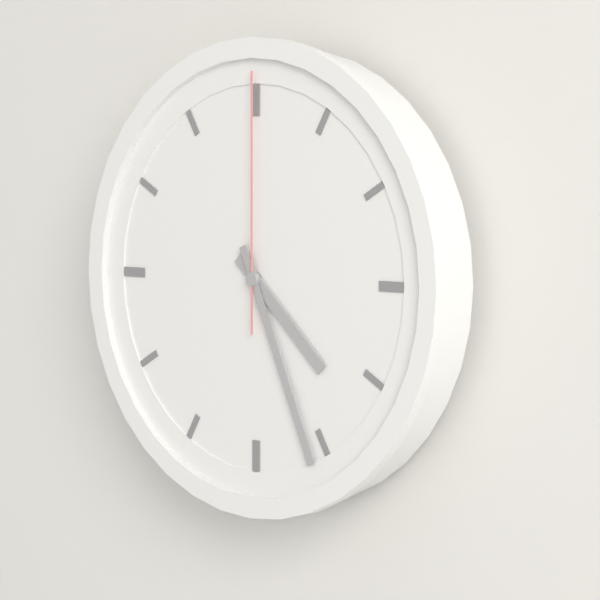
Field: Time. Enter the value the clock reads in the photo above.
4:26:00
